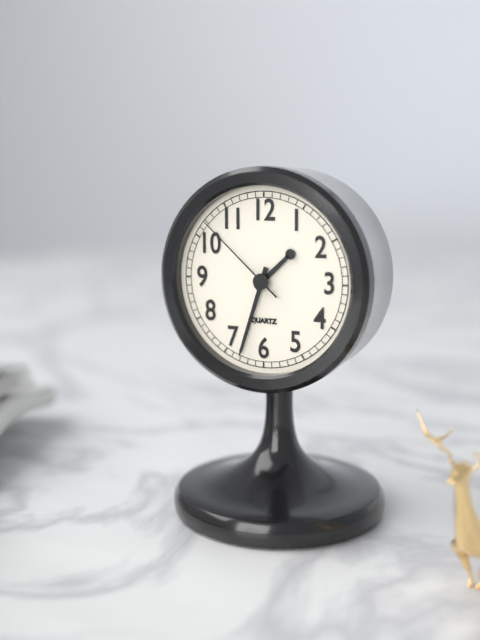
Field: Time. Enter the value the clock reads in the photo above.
1:33:52
